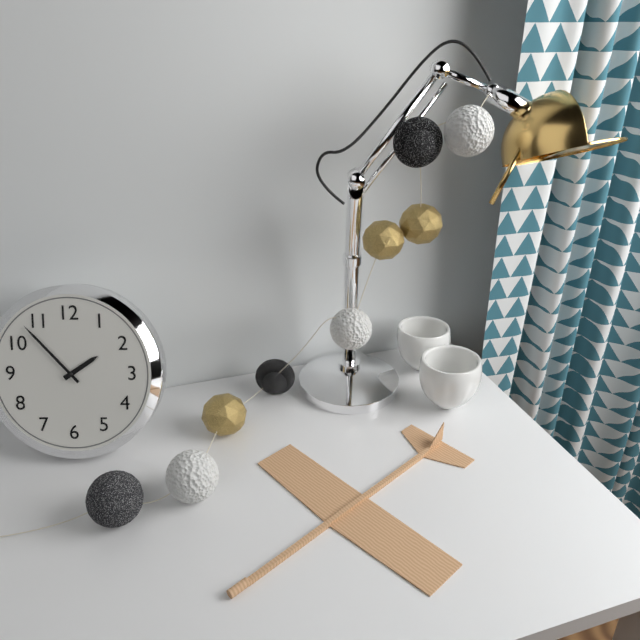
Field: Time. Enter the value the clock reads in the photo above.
1:53
